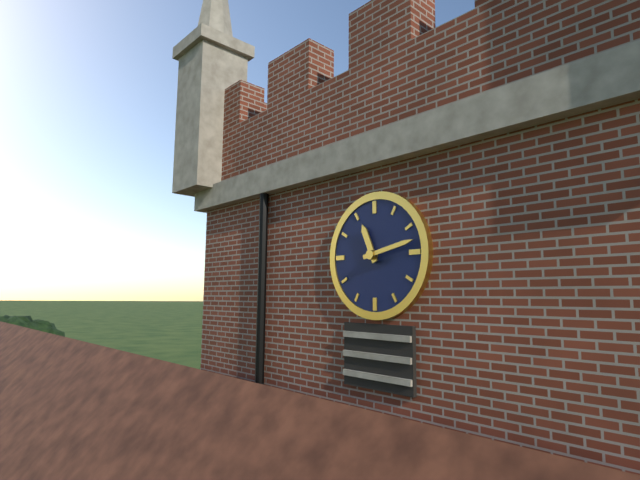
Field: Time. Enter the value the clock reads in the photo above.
11:13
